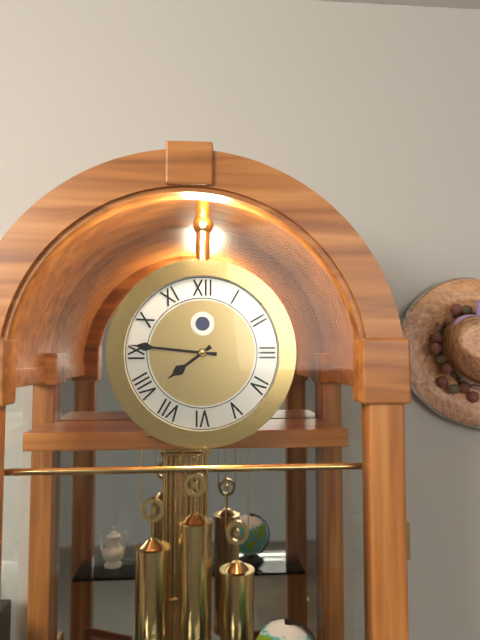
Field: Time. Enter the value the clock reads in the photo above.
7:46
